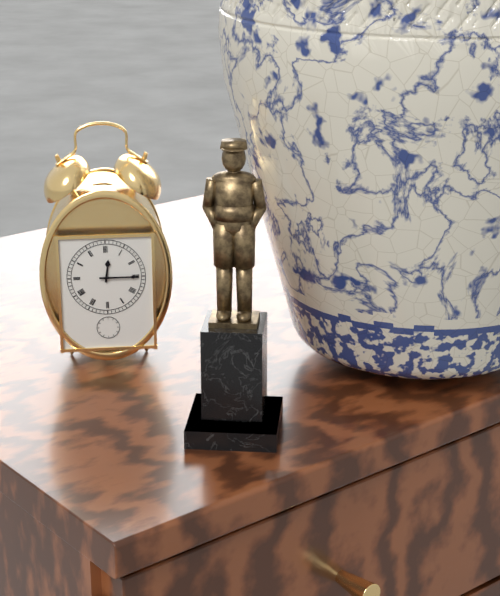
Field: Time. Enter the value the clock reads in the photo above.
12:15
